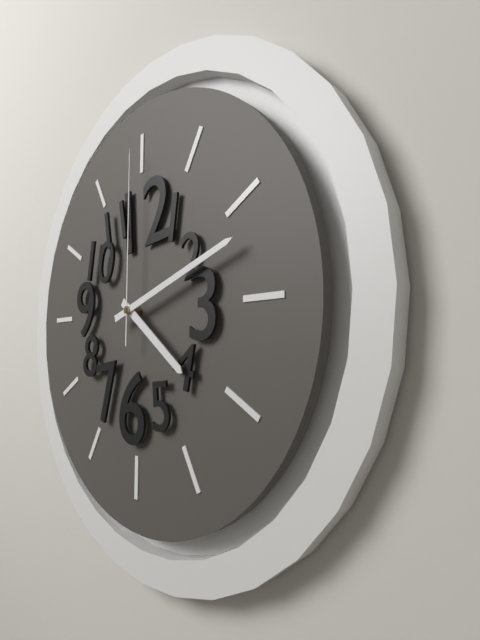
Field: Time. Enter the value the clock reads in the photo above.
4:12:00
